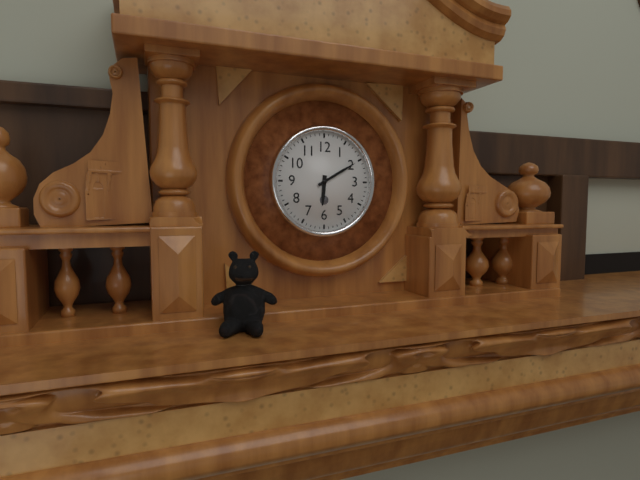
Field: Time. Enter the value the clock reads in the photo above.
6:10
